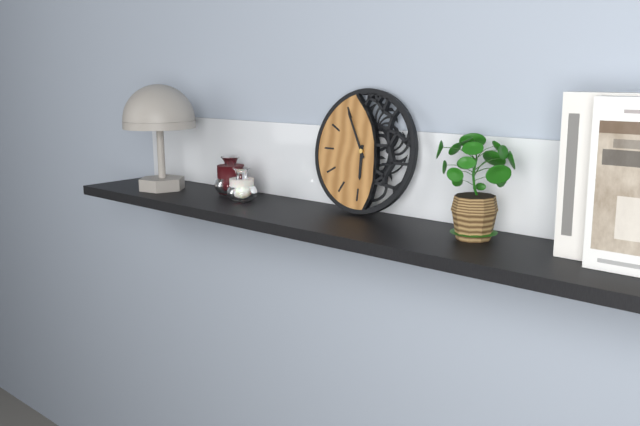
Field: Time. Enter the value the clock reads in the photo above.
5:55
